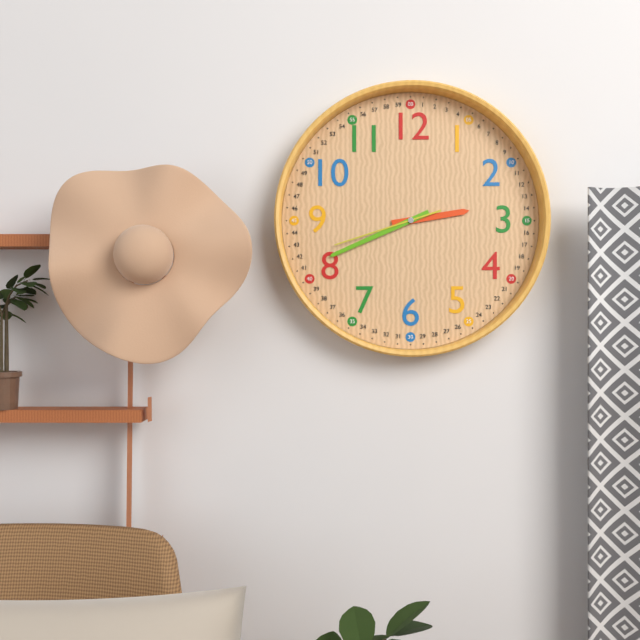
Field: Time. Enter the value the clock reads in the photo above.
2:41:42
